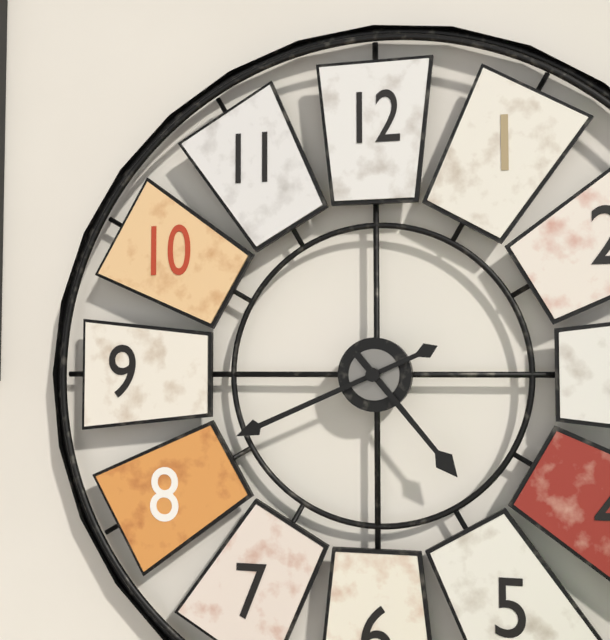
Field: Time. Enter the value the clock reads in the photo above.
4:41
